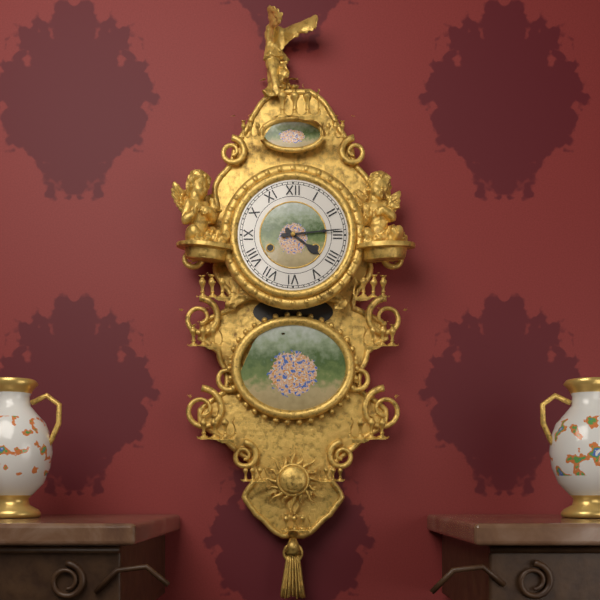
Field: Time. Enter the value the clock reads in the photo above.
4:14
